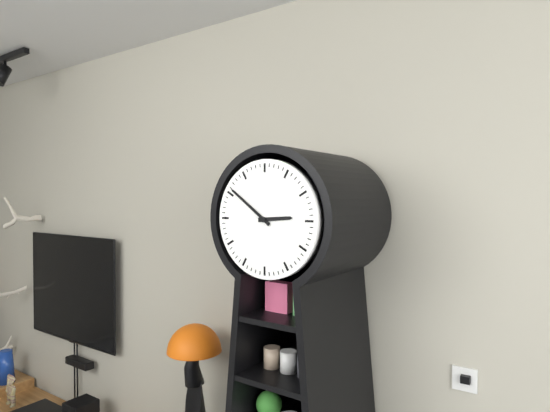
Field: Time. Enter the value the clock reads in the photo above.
2:51
